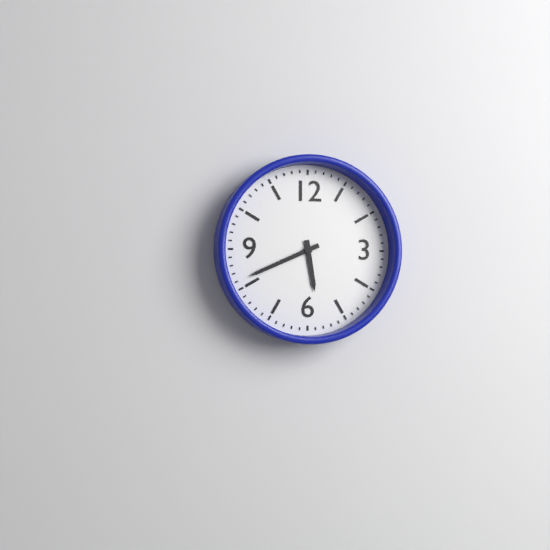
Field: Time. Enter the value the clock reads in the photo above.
5:41
